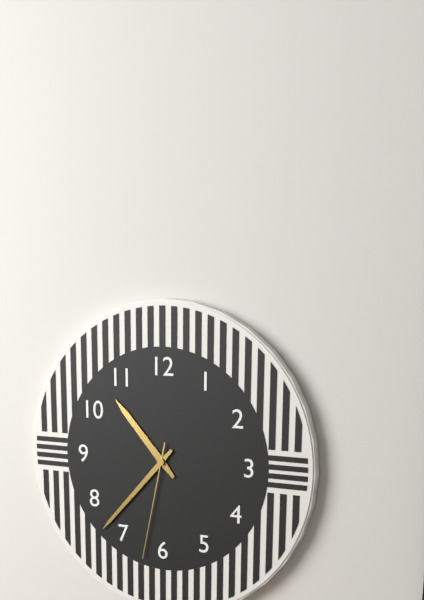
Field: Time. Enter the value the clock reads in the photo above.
10:37:32
